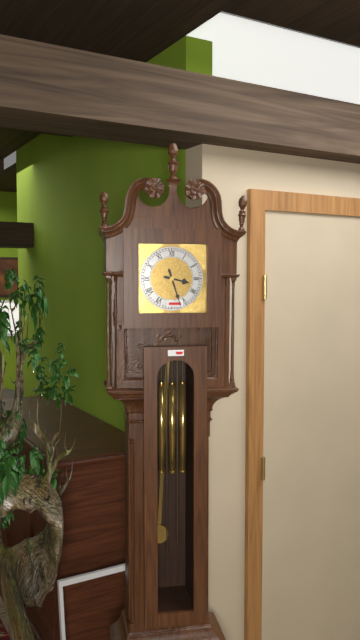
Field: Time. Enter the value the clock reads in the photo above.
3:27
